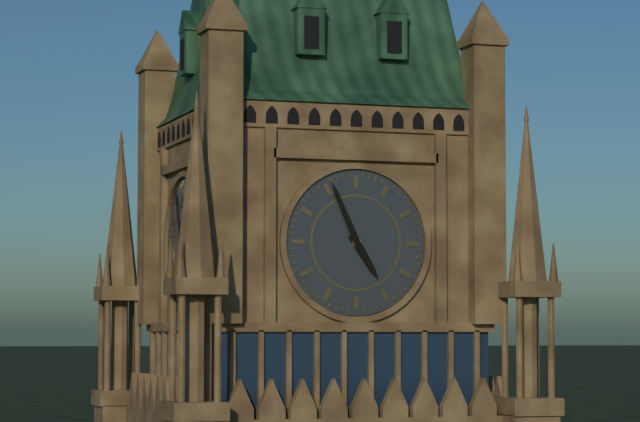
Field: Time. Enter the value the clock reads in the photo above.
4:56
